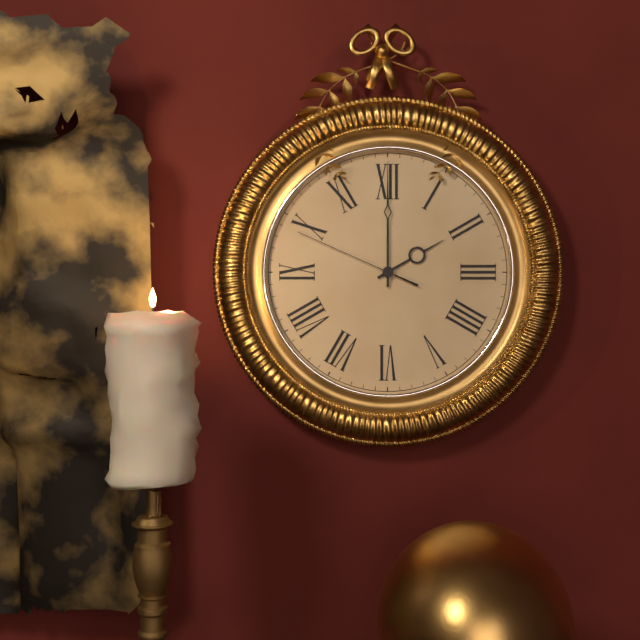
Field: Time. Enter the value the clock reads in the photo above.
2:00:49
